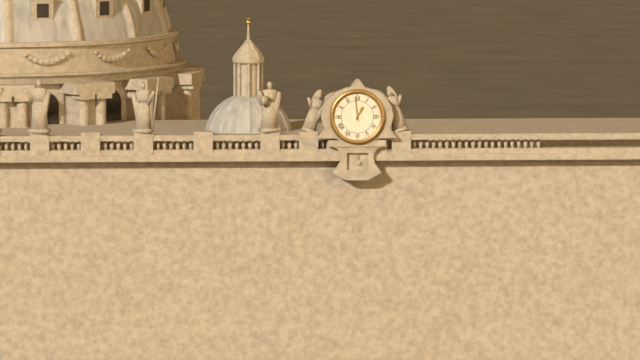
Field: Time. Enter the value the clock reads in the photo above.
12:59
